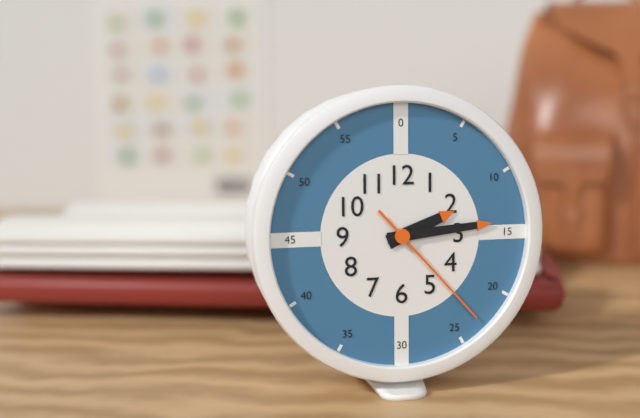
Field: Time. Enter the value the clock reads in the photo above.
2:14:23
